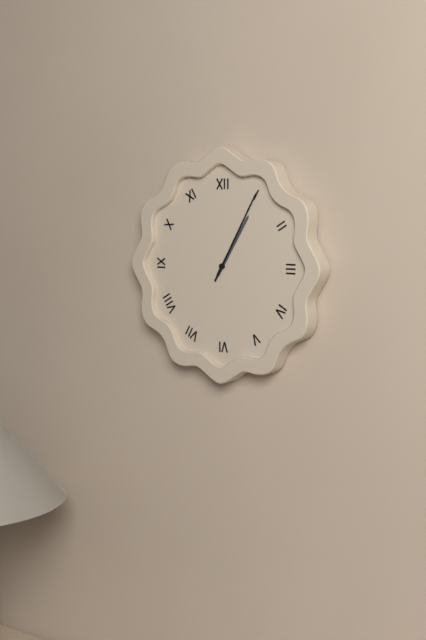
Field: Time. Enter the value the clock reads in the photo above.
1:05
